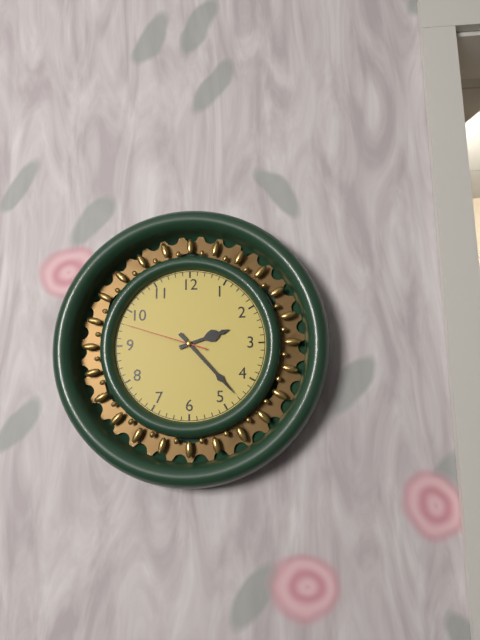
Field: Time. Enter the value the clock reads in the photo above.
2:23:48
